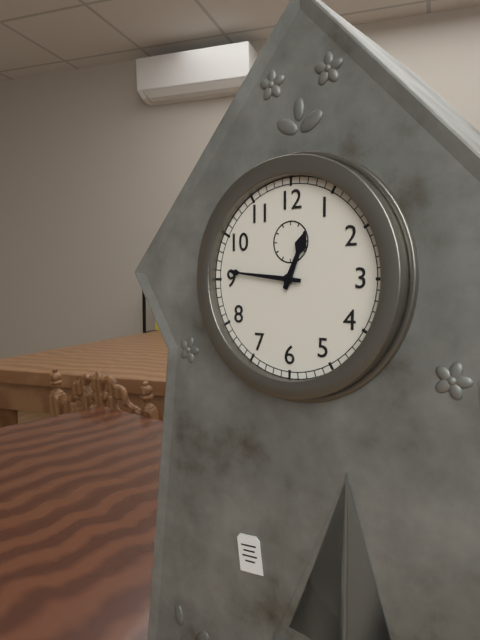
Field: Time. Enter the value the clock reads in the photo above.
12:46
